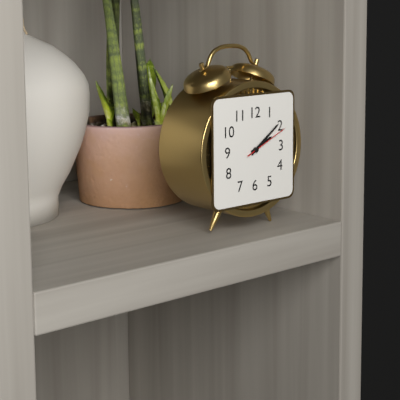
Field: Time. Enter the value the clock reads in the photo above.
2:09
